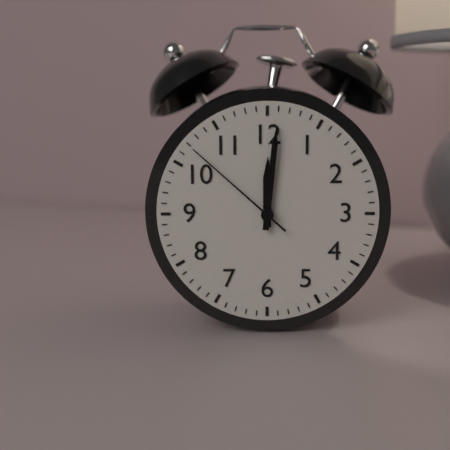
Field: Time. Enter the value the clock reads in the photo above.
12:01:52
